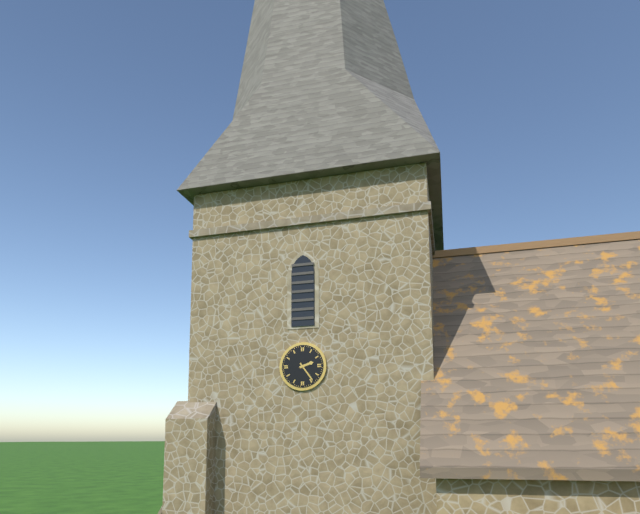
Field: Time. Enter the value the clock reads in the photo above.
2:24
